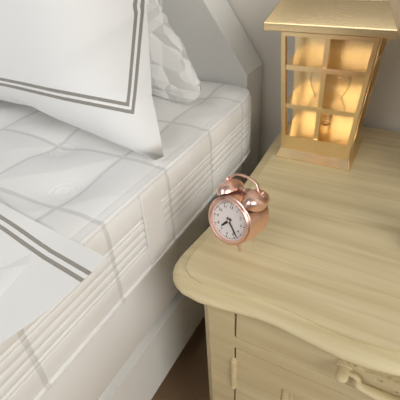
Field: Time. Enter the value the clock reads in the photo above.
7:23
